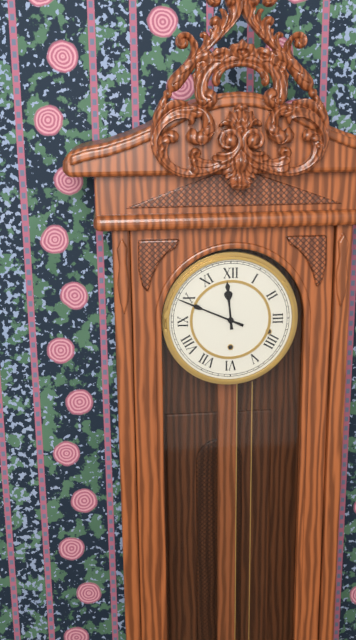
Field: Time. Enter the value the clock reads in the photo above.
11:49
